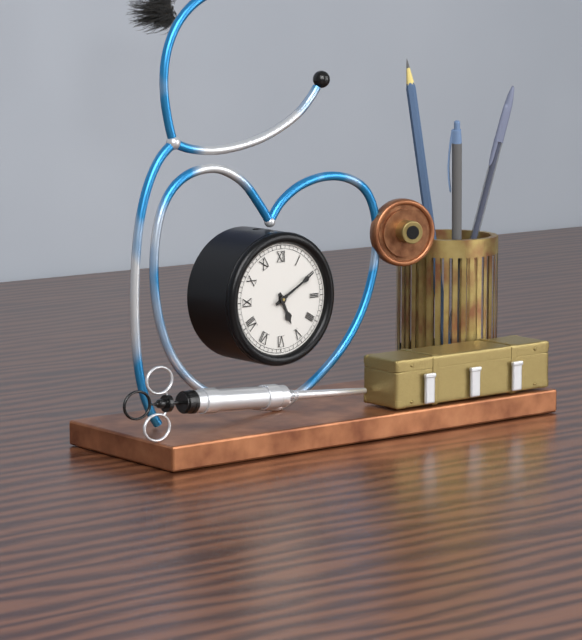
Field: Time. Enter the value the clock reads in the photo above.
5:10
